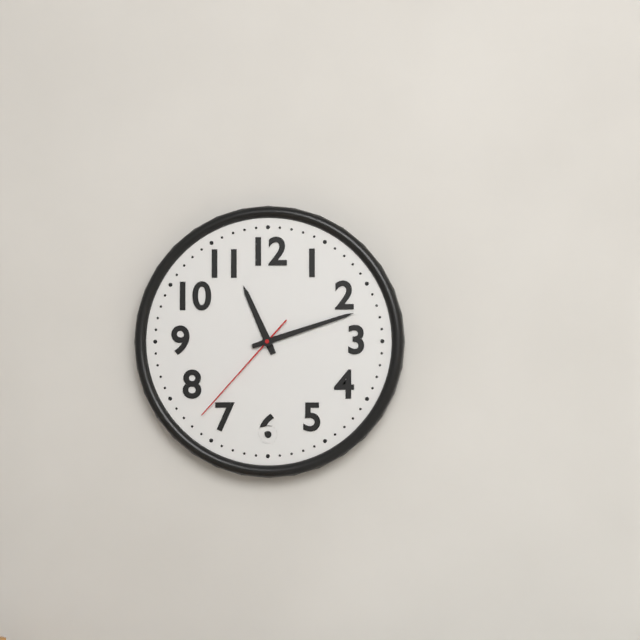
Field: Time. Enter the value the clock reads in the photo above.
11:12:37
